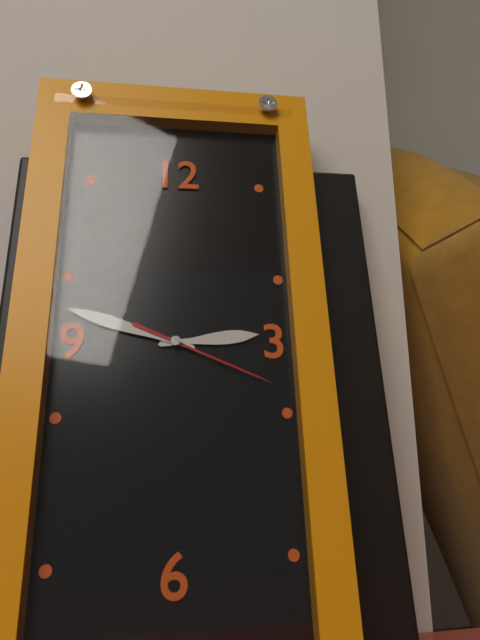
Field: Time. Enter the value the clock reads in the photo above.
2:48:19
